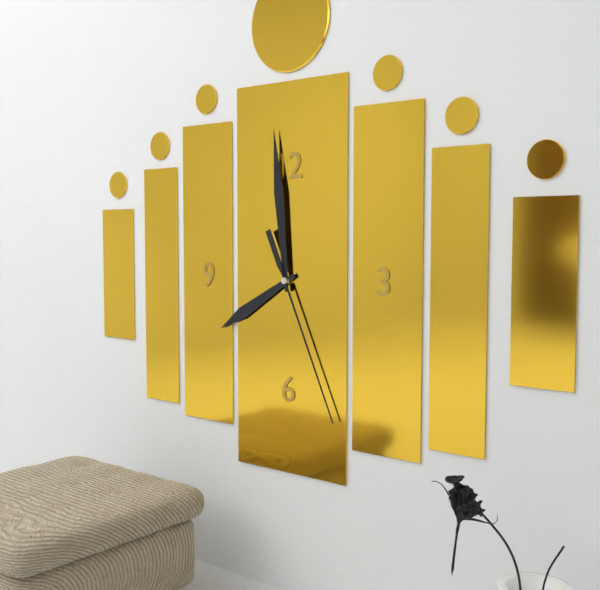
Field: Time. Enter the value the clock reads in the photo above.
7:59:26
